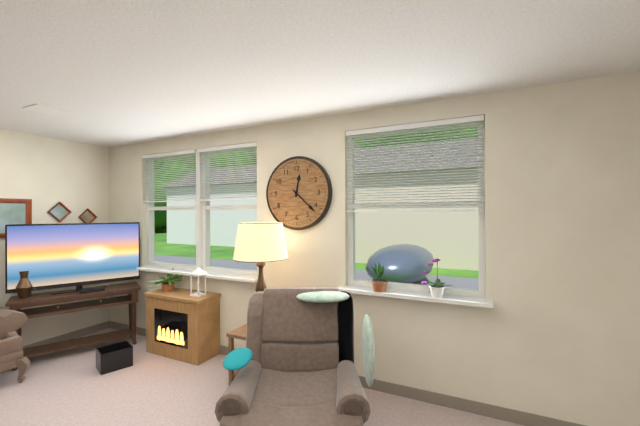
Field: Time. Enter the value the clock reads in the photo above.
12:22
